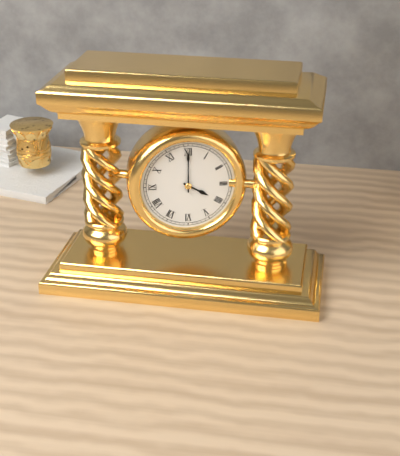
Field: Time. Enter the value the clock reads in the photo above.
4:00
